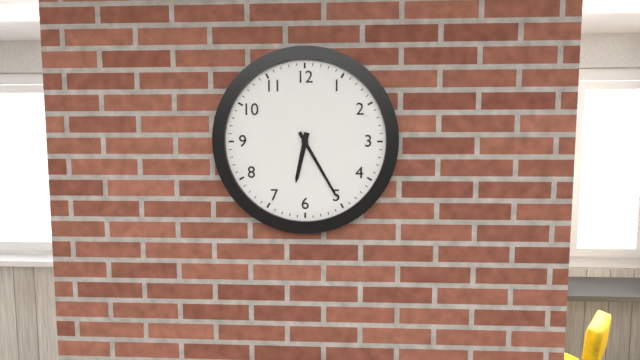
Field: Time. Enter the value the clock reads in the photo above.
6:25
